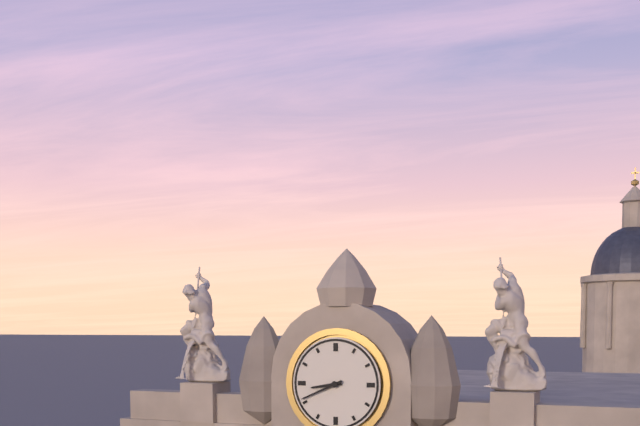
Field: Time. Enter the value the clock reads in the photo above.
8:41
